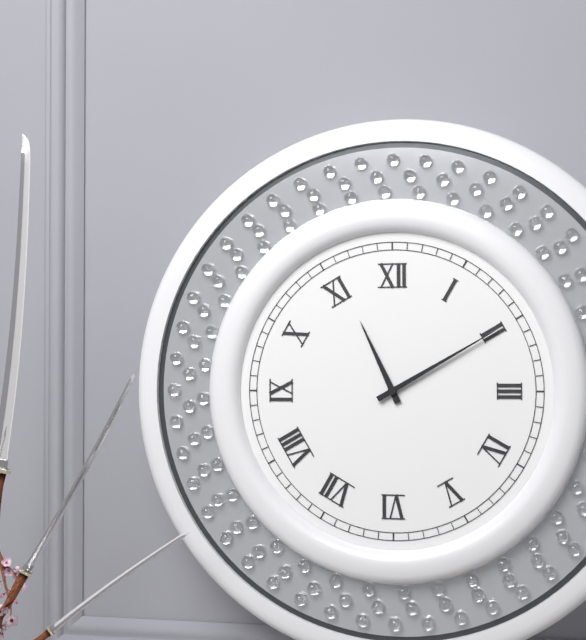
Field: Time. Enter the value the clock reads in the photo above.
11:10
